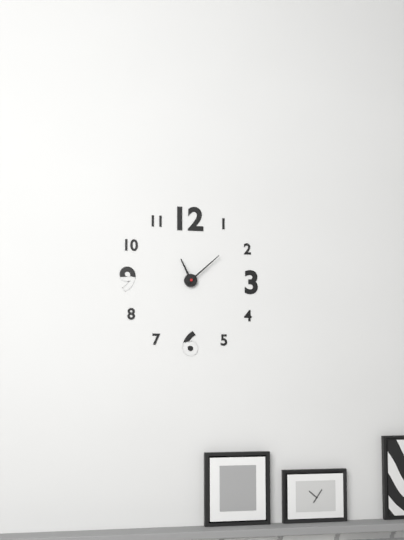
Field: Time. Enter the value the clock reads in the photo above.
11:08
